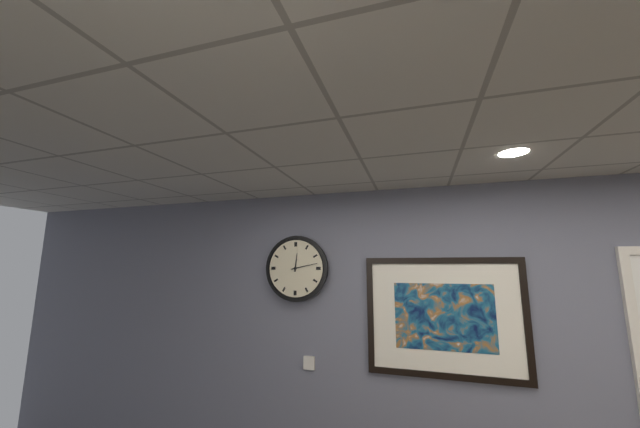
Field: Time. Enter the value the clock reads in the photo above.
12:13
